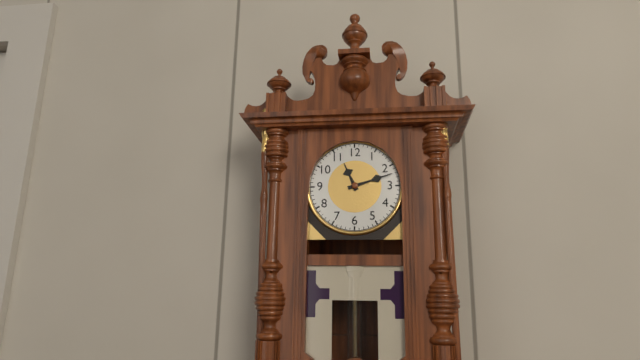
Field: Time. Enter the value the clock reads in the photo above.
11:12
